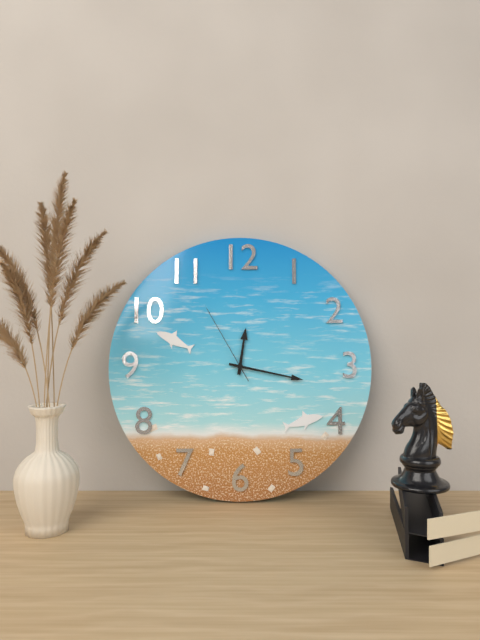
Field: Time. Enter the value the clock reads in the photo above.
12:17:55
